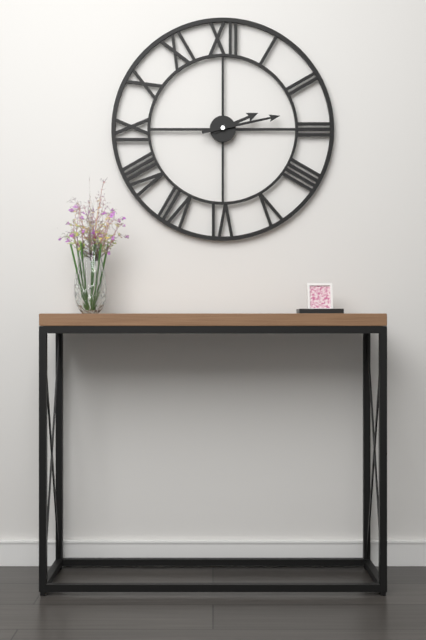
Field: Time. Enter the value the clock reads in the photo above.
2:13
